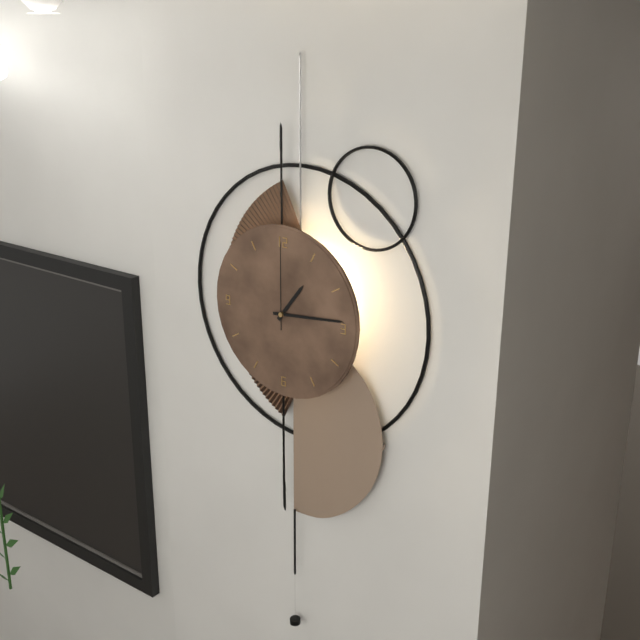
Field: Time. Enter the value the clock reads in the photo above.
1:14:00
